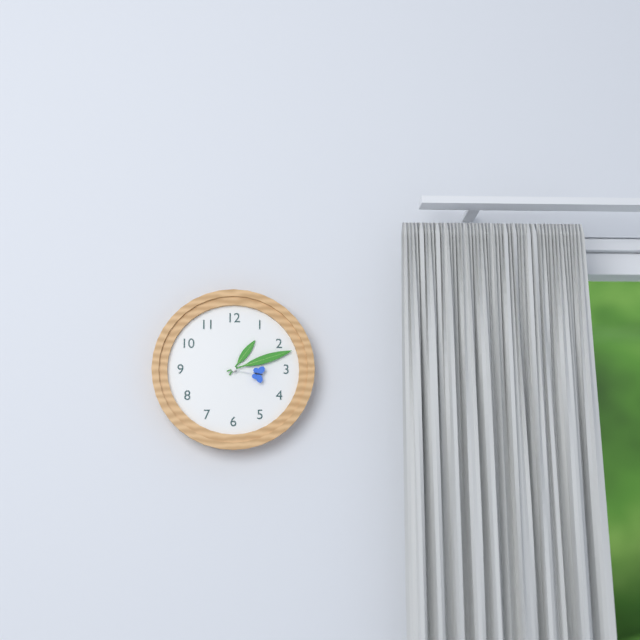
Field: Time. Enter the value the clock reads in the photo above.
1:12
